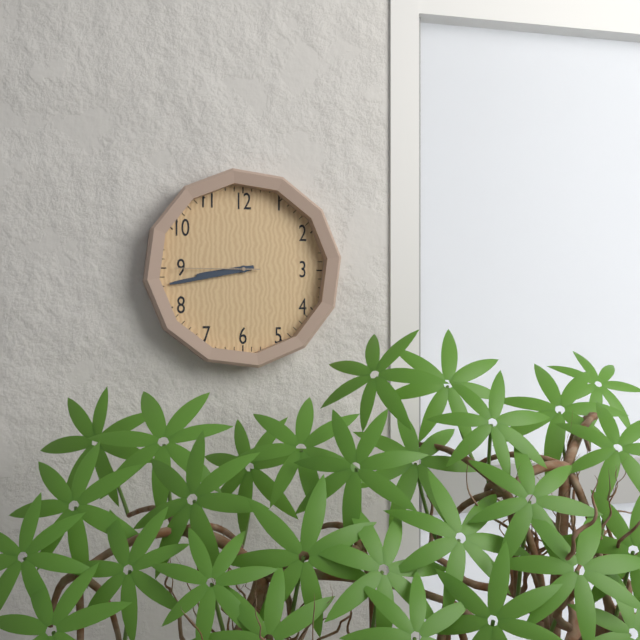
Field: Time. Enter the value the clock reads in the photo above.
8:43:45
